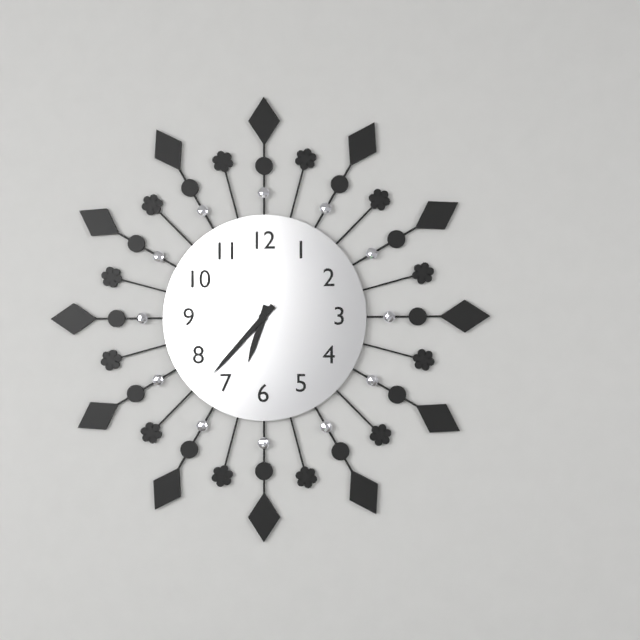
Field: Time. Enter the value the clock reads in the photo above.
6:37
